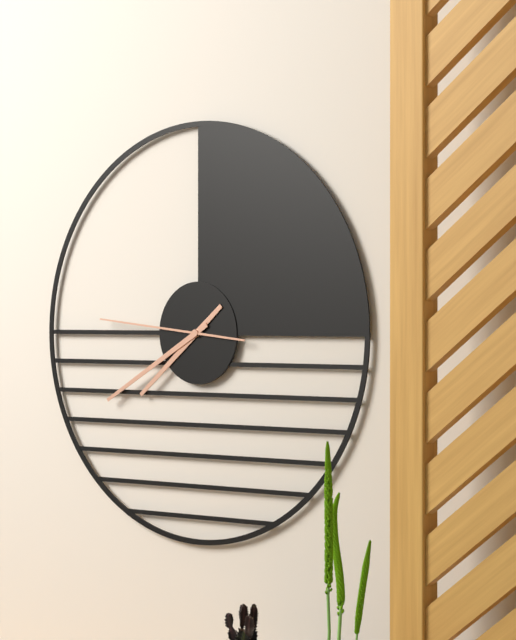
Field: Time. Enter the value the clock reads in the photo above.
7:40:46
